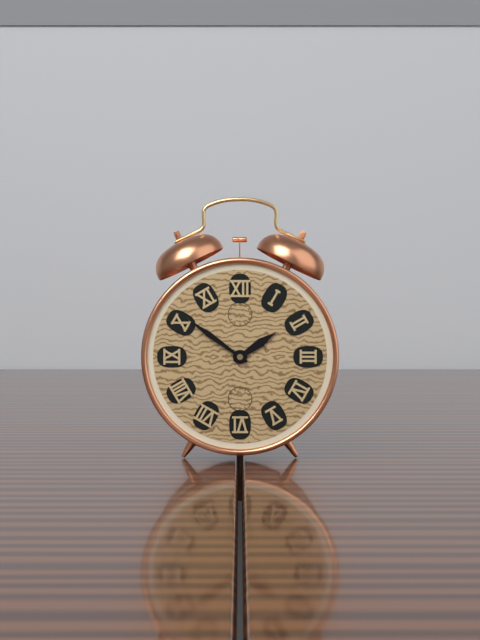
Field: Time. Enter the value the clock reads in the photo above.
1:51
